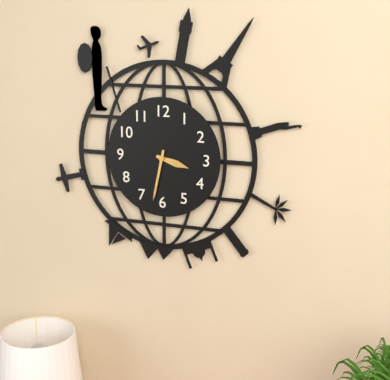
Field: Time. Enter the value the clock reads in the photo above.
3:32
